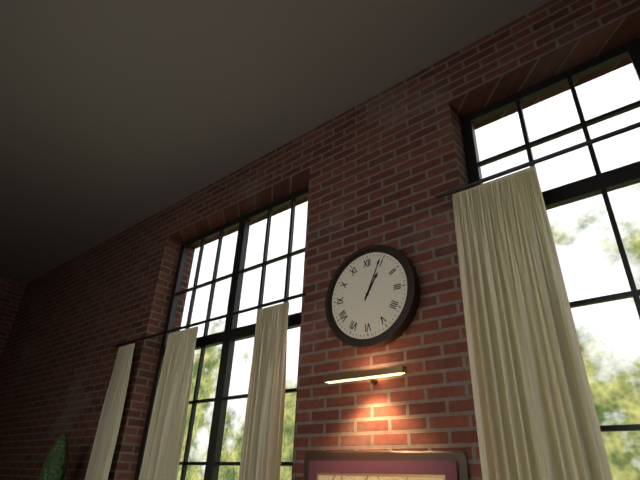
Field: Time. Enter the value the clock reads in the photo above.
1:04
